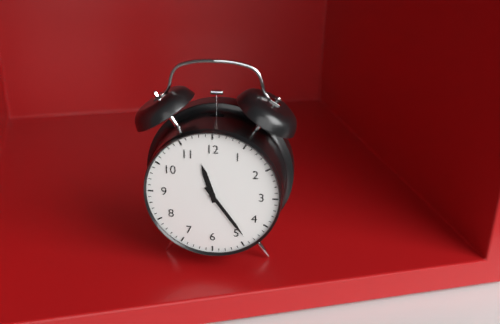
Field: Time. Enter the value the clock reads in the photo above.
11:24
